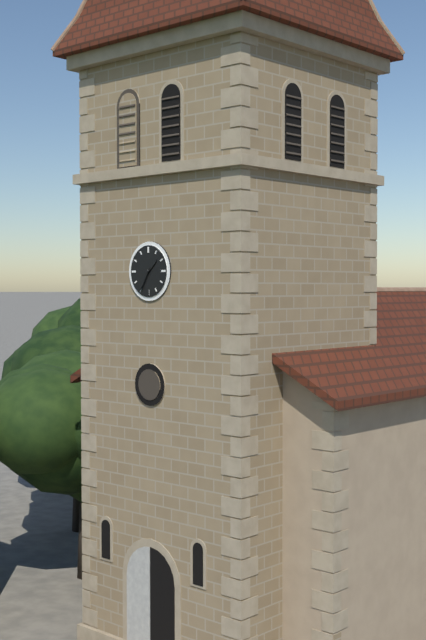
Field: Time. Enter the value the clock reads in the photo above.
1:35
